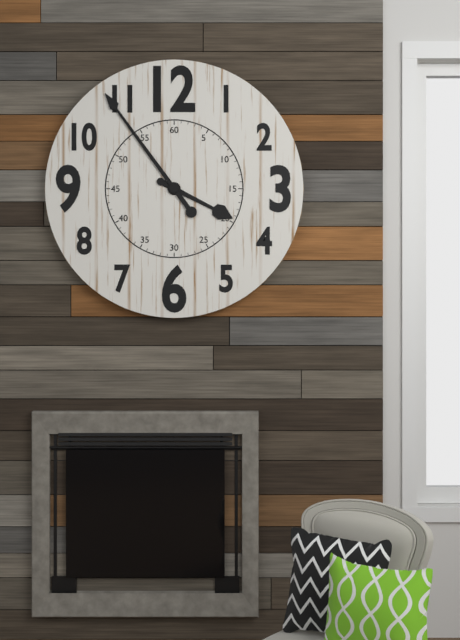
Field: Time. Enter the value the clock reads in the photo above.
3:54
